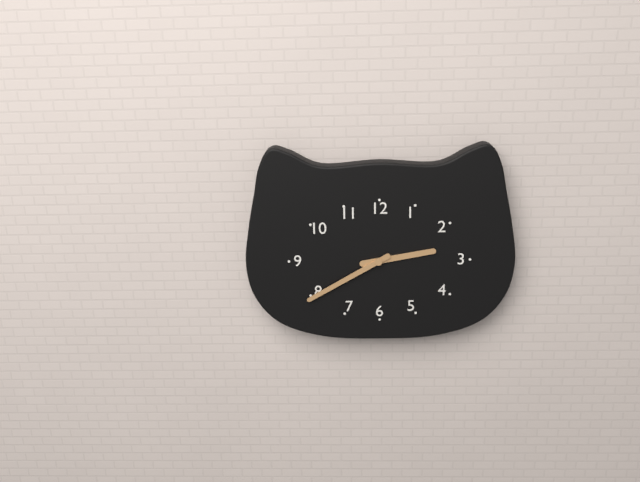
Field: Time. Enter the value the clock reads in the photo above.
2:40
